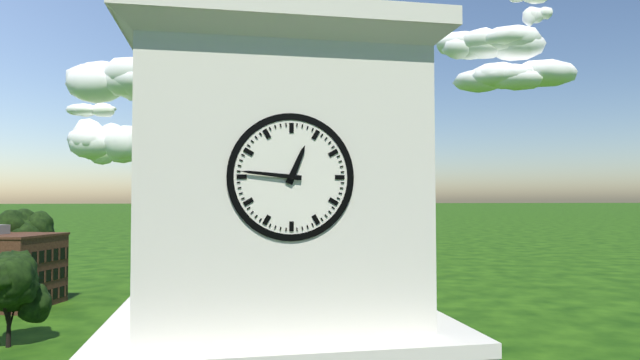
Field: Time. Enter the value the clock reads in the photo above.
12:46
